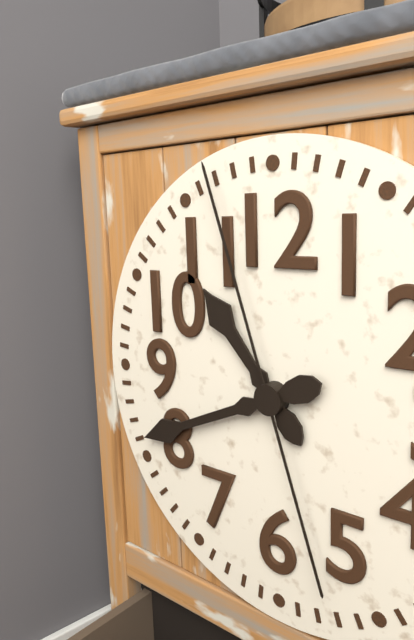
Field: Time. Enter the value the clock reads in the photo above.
10:41:57
